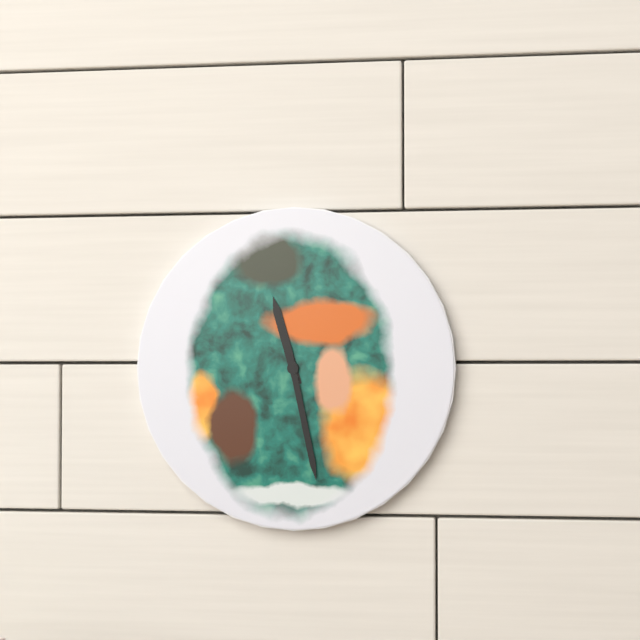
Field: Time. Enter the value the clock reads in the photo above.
11:28
